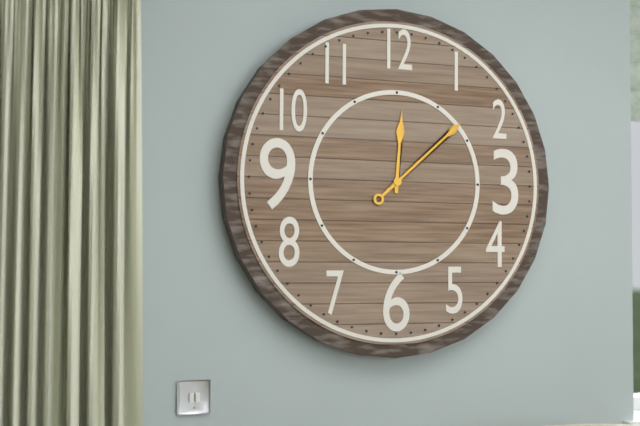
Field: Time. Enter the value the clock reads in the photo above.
12:08
